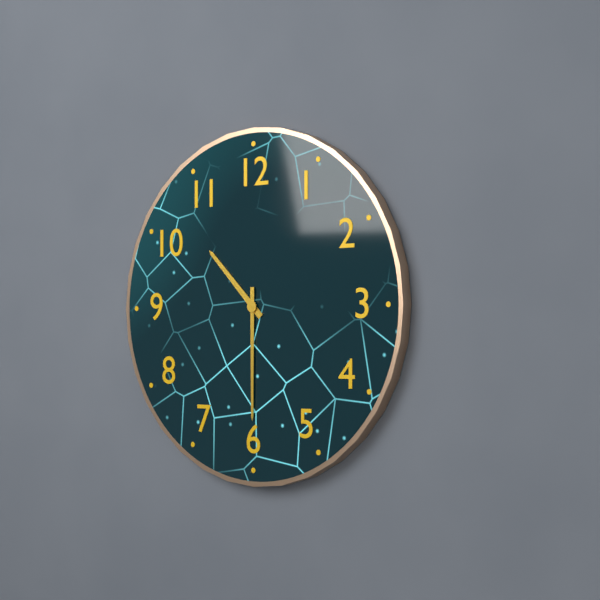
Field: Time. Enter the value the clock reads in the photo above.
10:30
